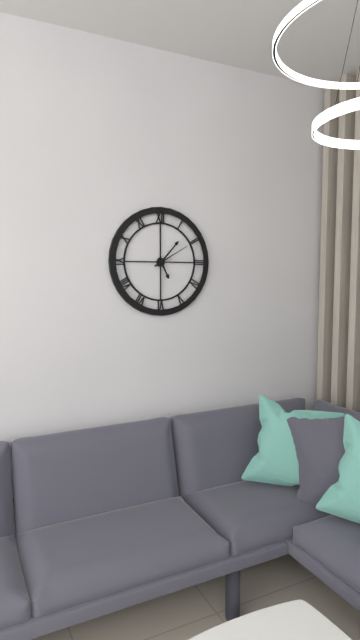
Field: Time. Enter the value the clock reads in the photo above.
5:07
